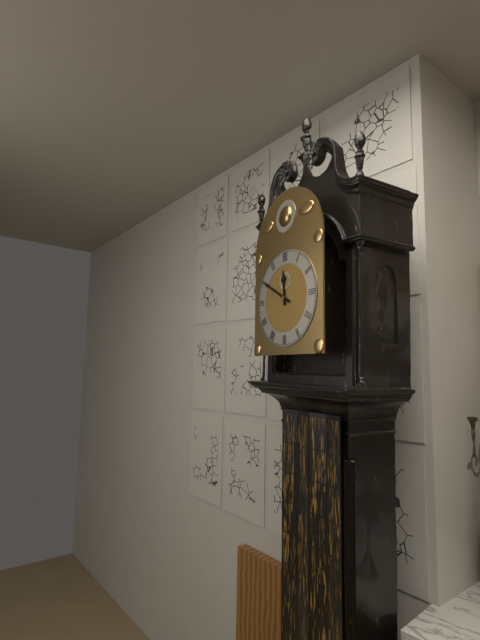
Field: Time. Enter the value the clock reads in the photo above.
11:50
